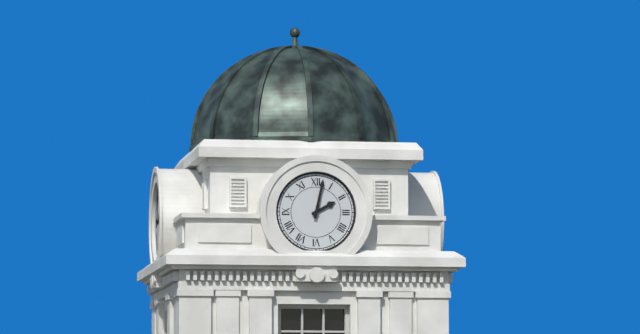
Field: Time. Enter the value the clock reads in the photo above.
2:02
